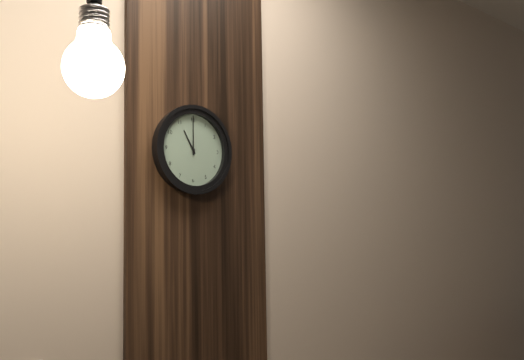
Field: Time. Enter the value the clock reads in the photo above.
11:00
